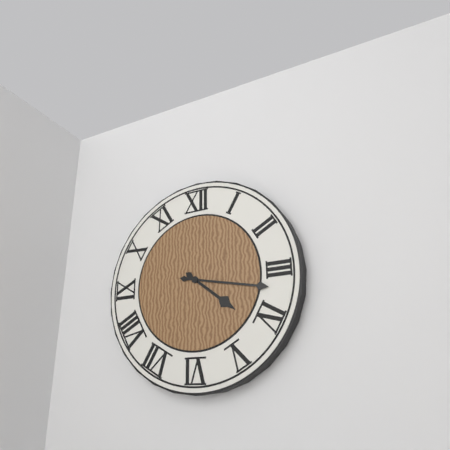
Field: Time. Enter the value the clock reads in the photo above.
4:17
